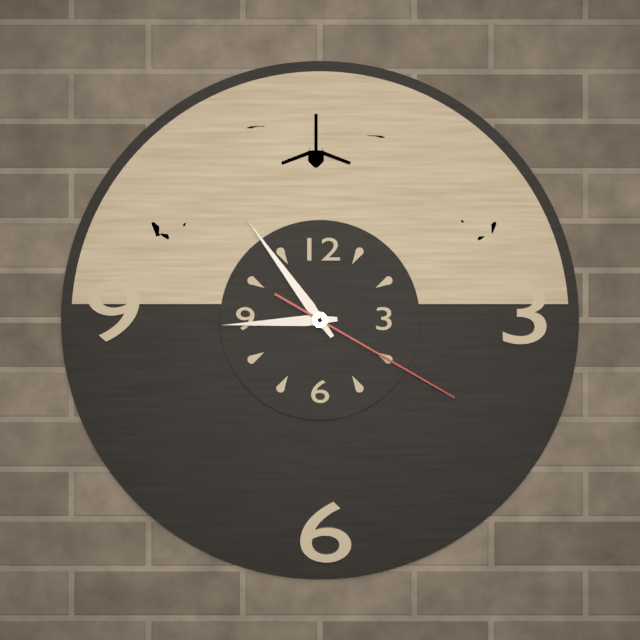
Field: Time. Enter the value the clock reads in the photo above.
8:54:20
